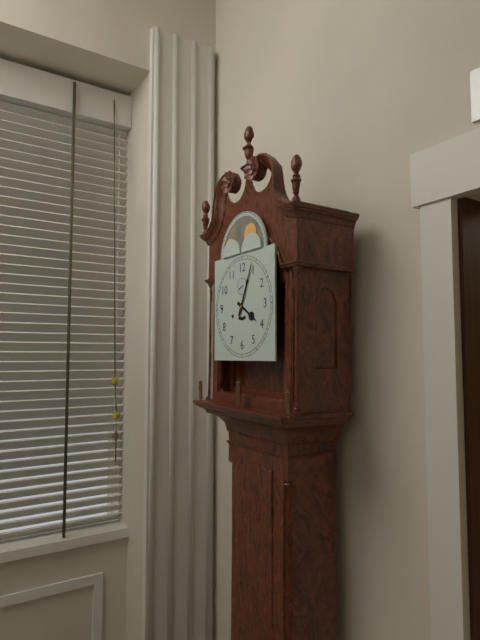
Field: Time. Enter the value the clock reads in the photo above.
4:04
